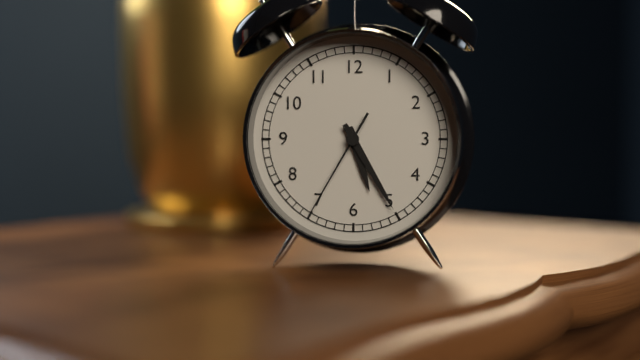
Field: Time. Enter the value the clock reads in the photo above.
5:25:35
